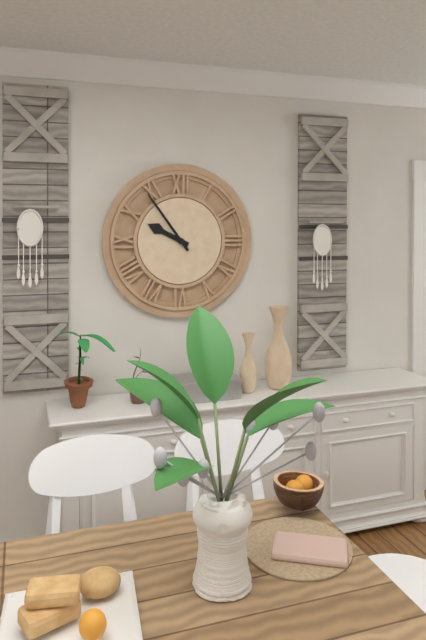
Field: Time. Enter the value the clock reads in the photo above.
9:54
